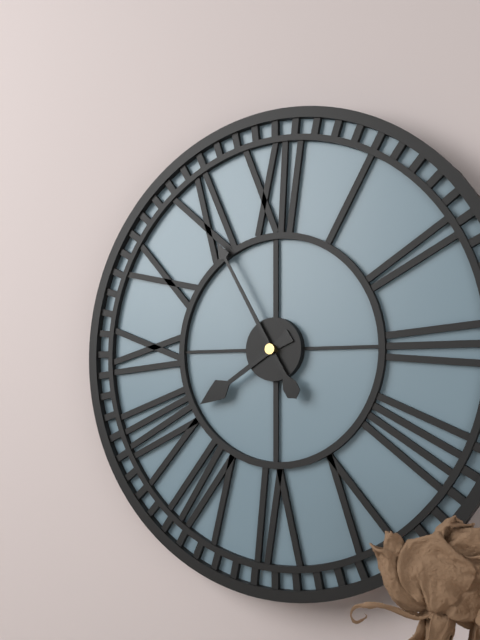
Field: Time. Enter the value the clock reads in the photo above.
7:55
